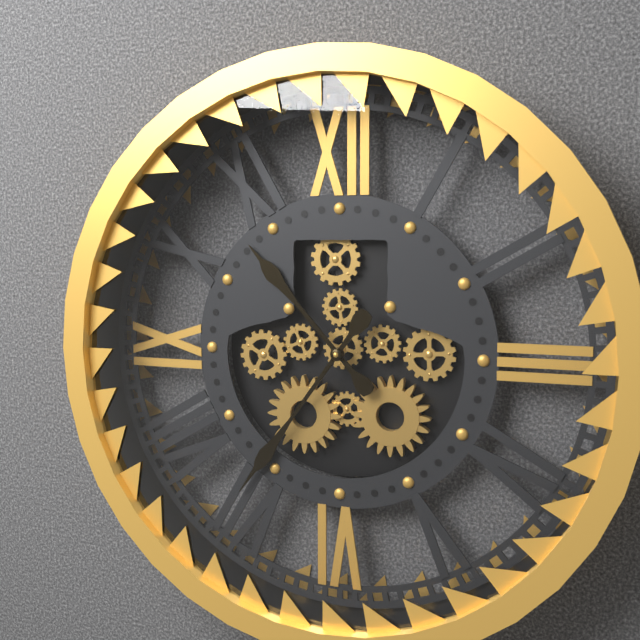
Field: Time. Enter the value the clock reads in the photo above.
10:36
